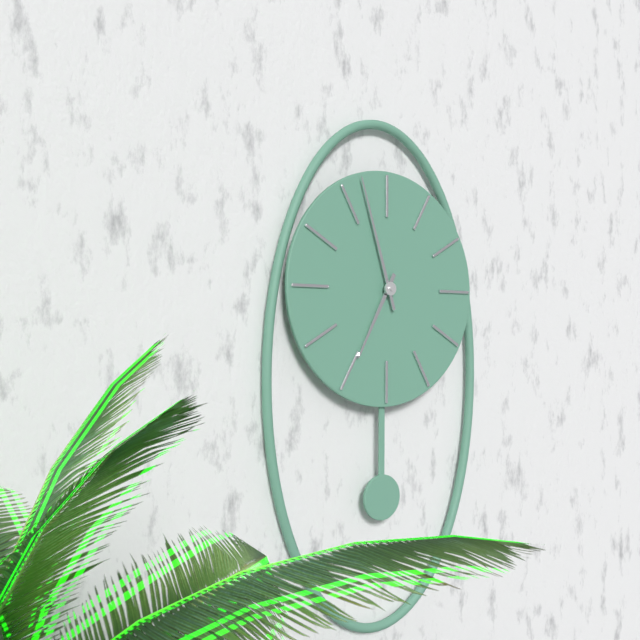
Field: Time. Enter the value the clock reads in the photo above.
6:57
